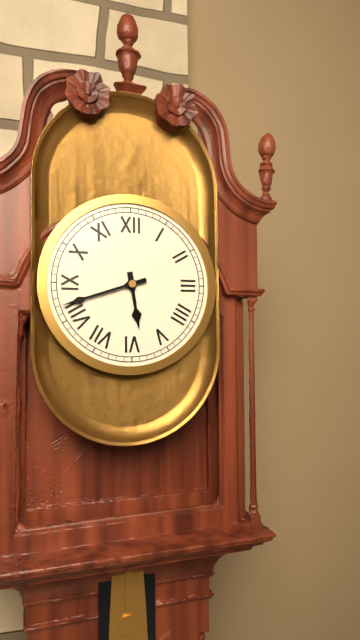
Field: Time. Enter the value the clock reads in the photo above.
5:42
